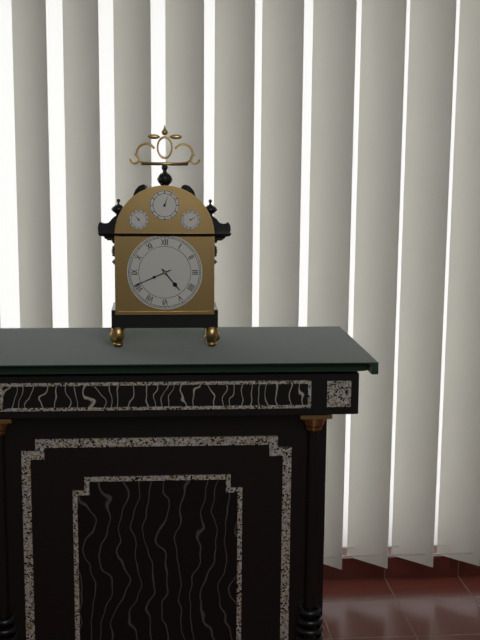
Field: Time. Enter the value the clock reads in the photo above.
4:41
